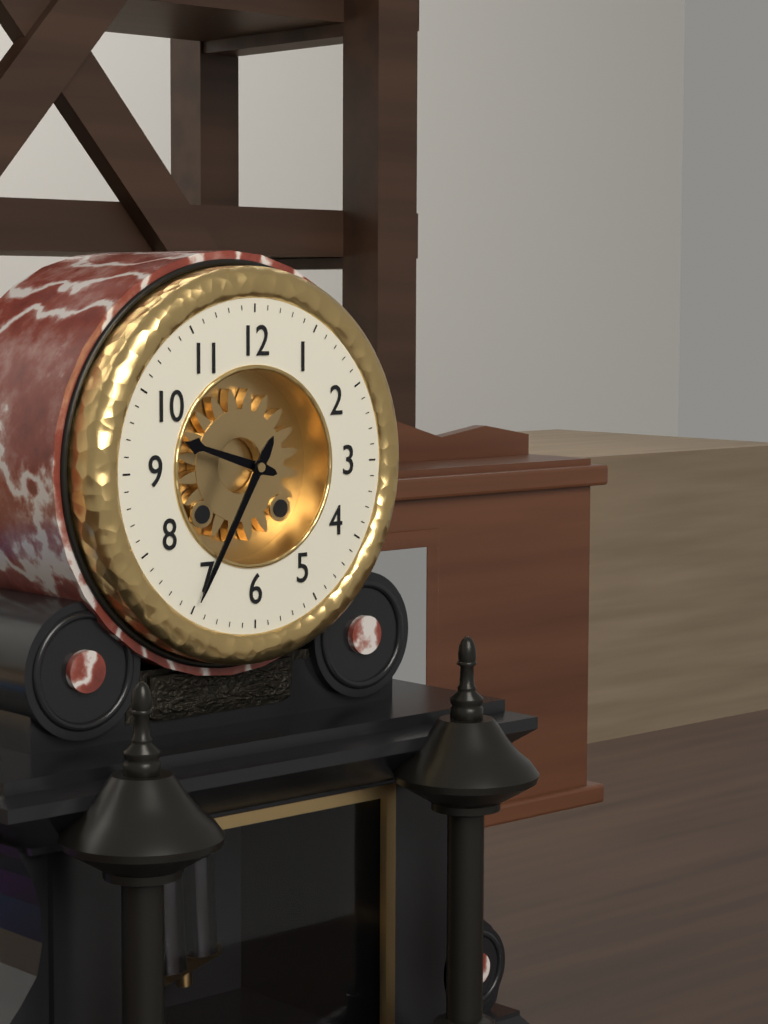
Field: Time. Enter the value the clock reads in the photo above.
9:35
